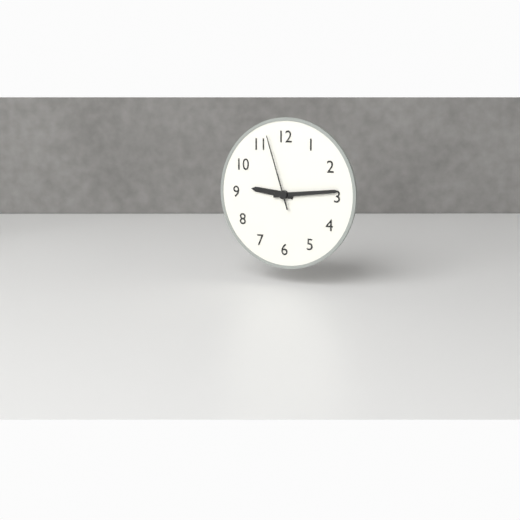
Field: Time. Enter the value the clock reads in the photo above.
9:14:57
